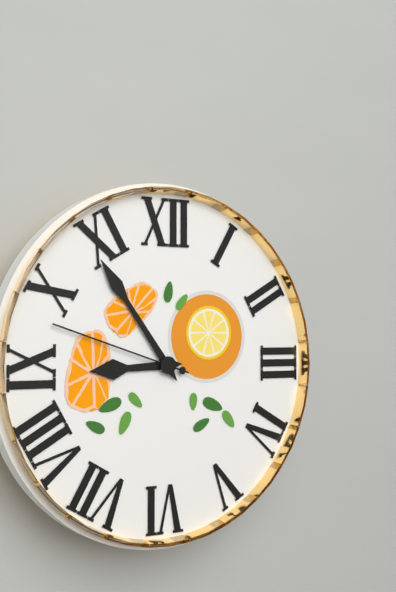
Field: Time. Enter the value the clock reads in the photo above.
8:54:48
